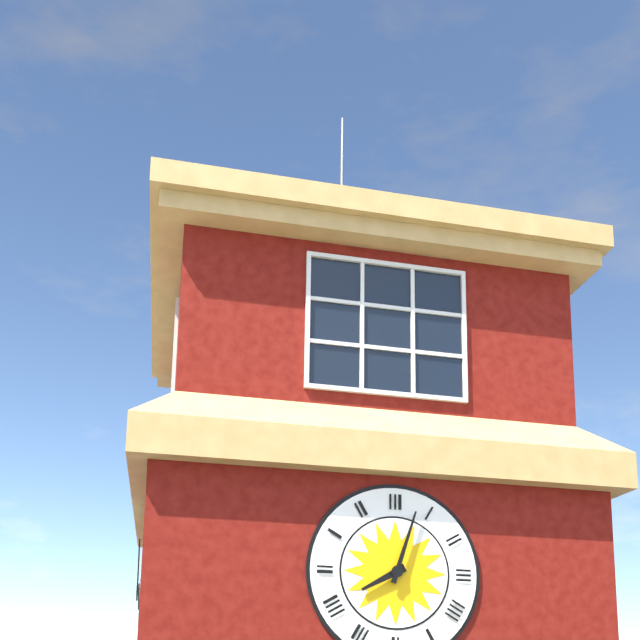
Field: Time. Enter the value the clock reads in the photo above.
8:03
